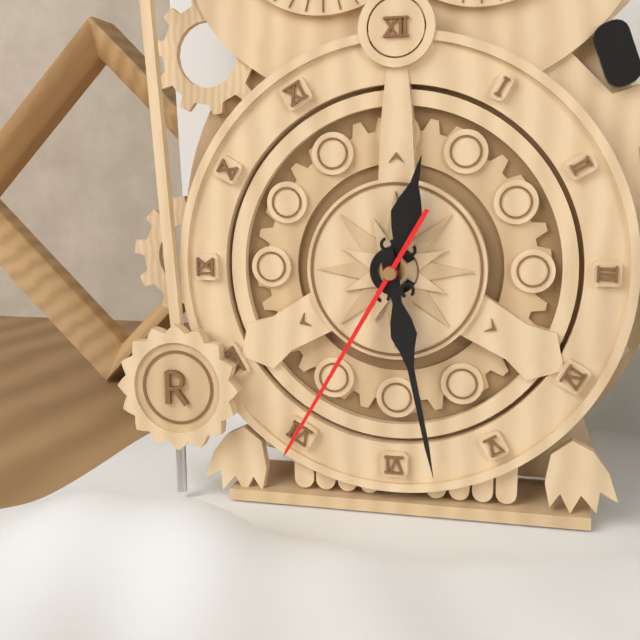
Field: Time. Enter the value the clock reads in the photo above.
12:28:35
